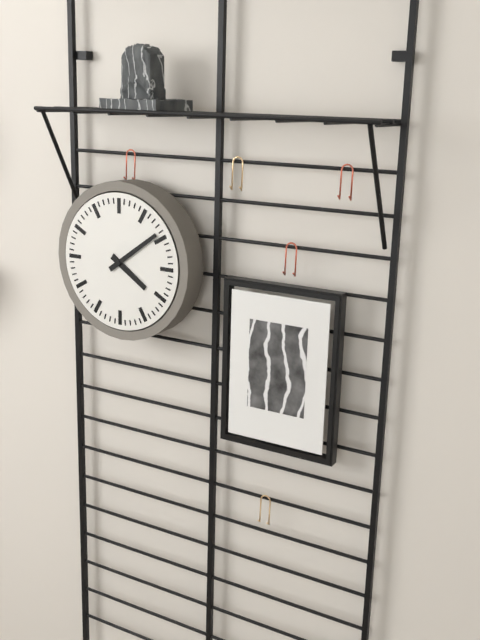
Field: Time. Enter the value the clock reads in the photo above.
4:09
